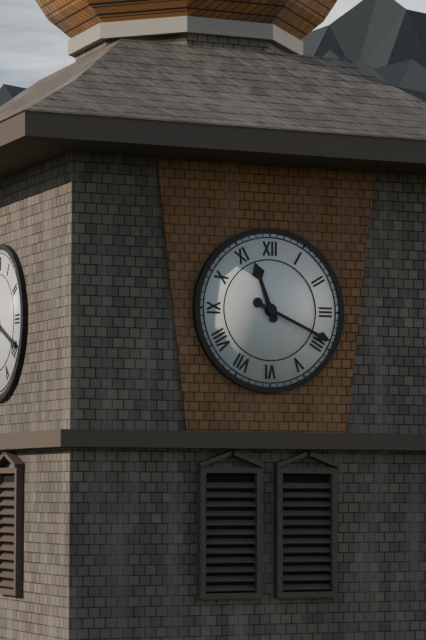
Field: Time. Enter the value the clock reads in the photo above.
11:19
